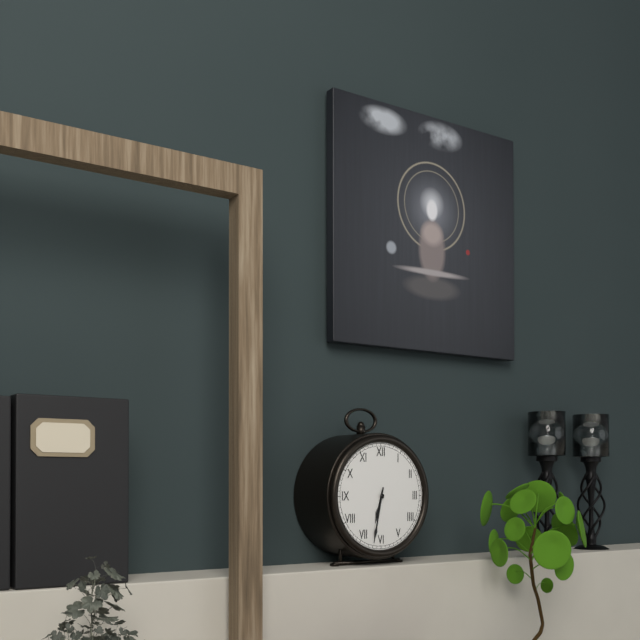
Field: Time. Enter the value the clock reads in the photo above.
6:32
